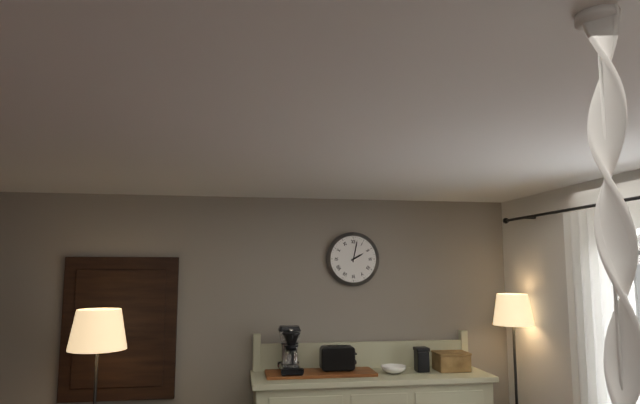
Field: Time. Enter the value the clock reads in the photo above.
2:02
